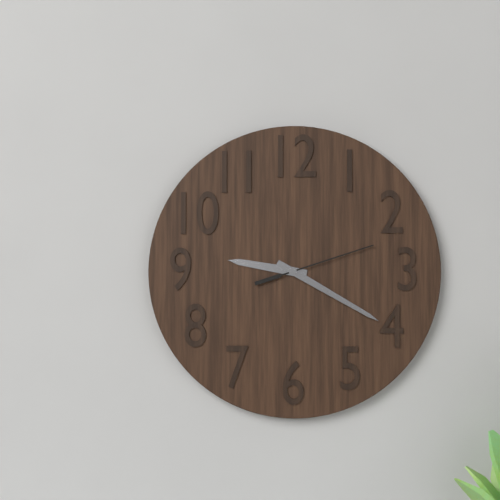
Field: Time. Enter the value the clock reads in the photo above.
9:20:12
